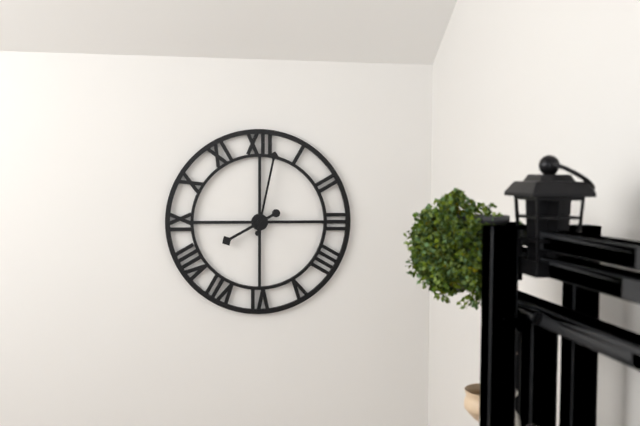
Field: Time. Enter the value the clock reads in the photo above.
8:02
